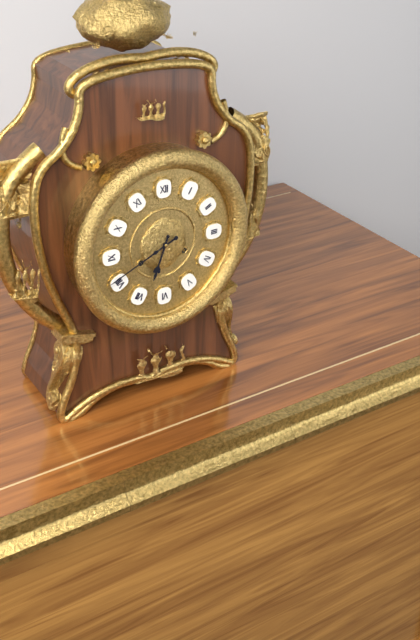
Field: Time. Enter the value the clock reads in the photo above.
6:41
